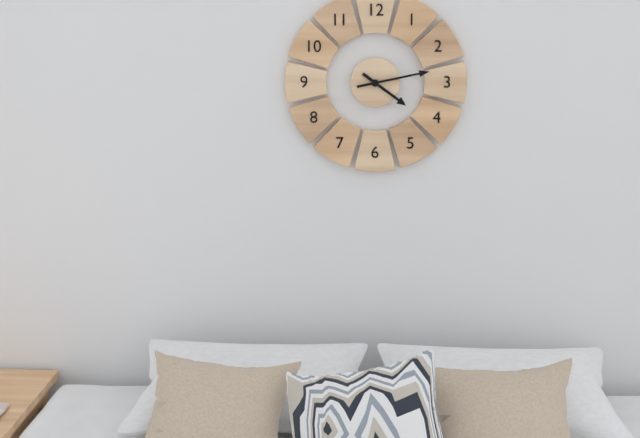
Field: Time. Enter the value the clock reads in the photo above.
4:13
